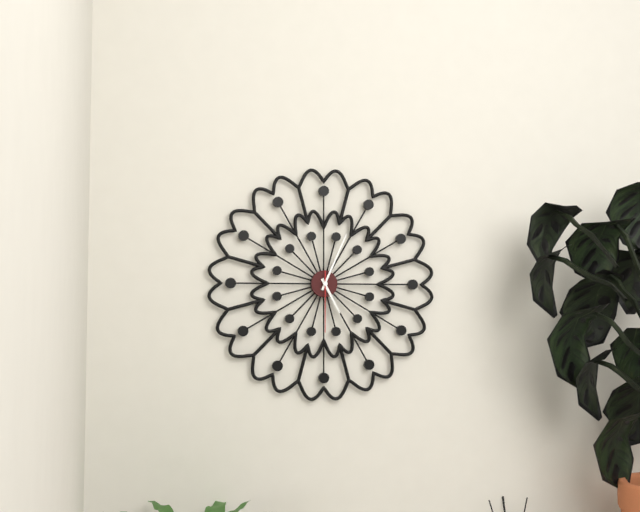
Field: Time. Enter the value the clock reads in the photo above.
5:04:30
